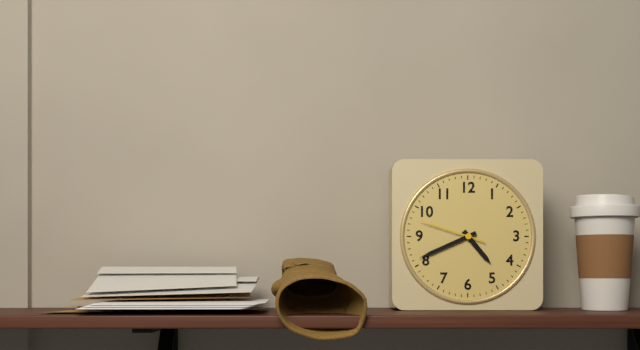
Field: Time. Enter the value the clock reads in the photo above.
4:41:48
